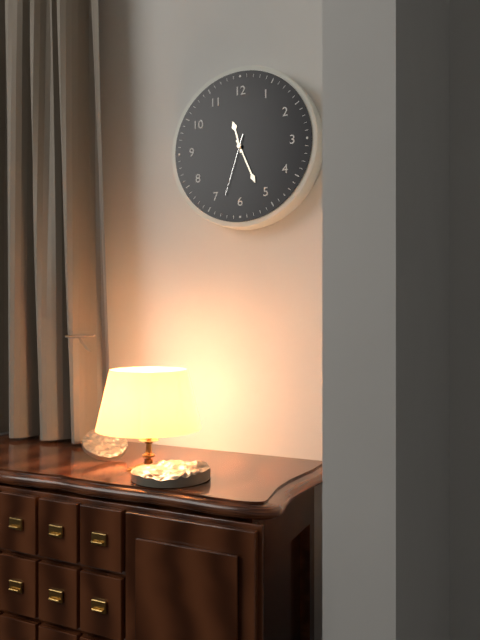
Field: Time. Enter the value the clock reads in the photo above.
11:26:33
